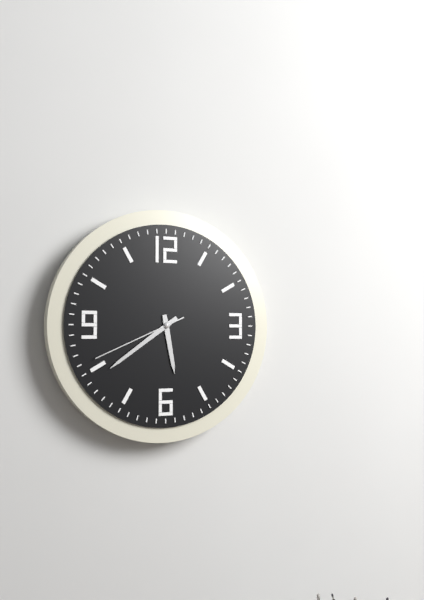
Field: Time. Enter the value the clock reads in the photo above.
5:39:41
